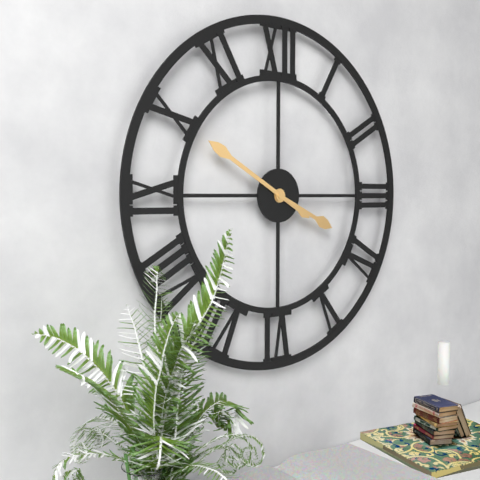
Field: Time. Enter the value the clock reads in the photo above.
3:50
